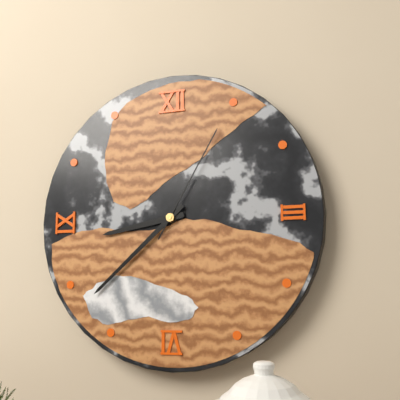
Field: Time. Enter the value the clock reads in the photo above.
8:38:05
